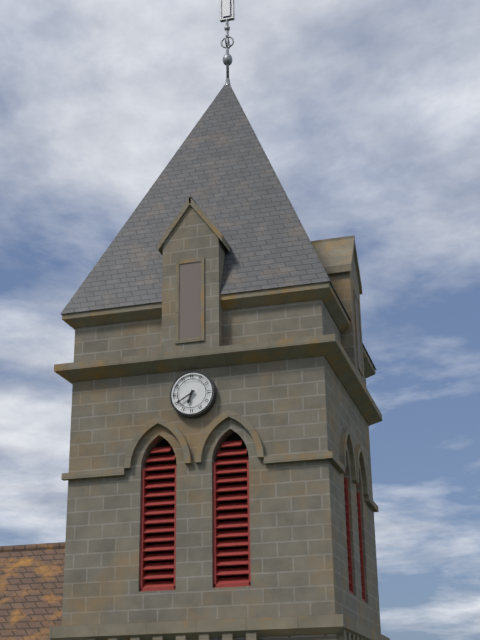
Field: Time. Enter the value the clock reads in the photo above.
6:40
